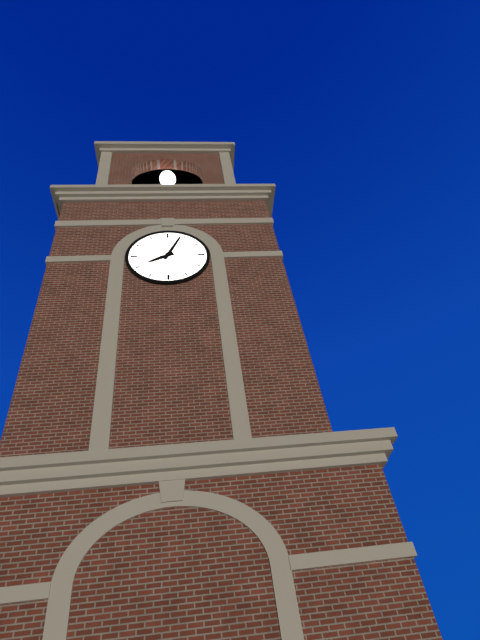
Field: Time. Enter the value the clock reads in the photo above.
8:04
